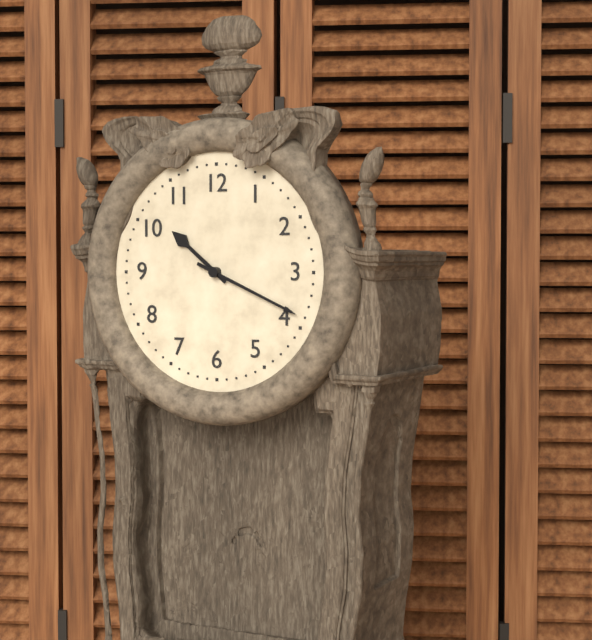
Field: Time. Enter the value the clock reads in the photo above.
10:19
